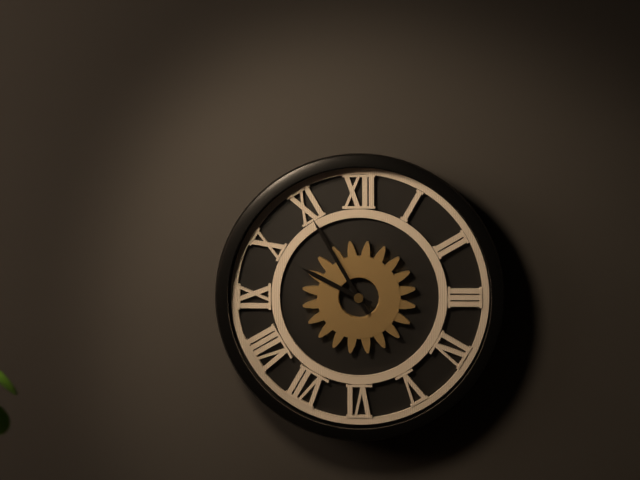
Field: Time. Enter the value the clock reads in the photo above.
9:55
